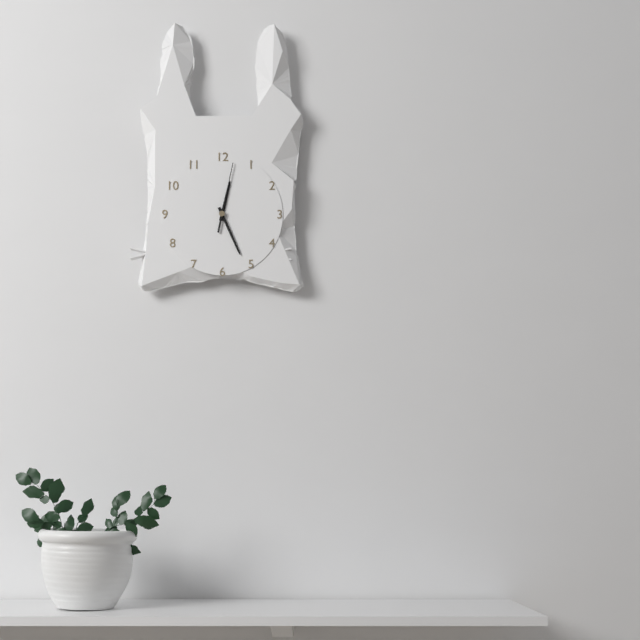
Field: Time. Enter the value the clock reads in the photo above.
12:26:02
